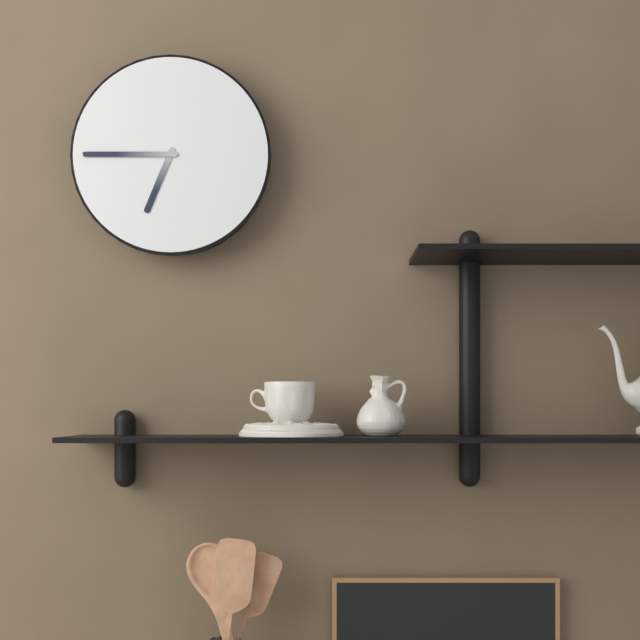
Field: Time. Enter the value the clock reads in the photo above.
6:45
